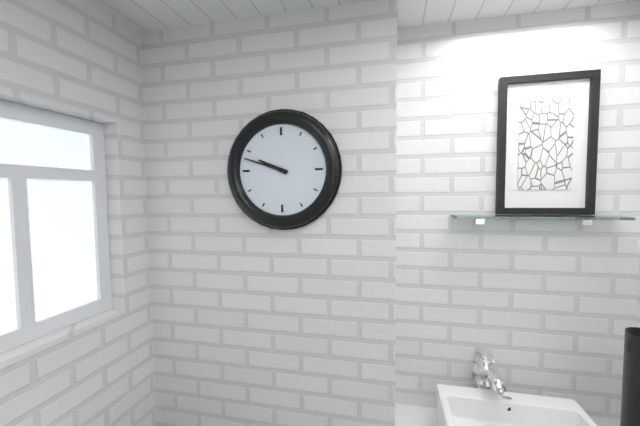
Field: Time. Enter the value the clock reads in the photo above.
9:48
